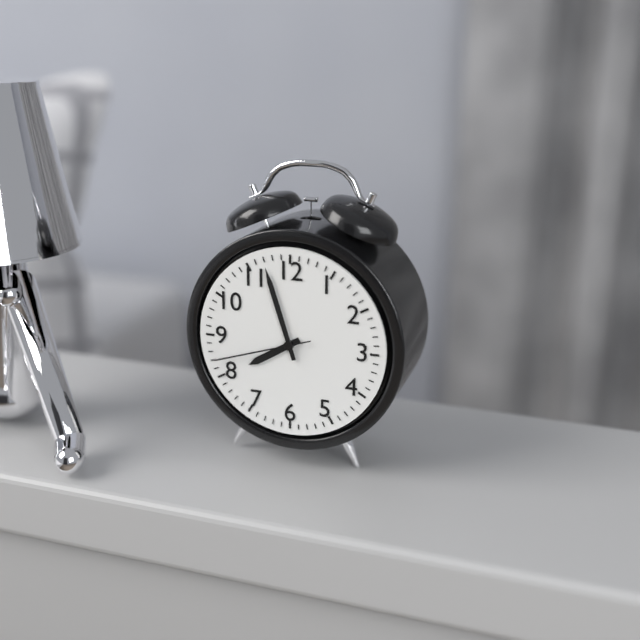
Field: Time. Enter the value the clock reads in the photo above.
7:57:42
